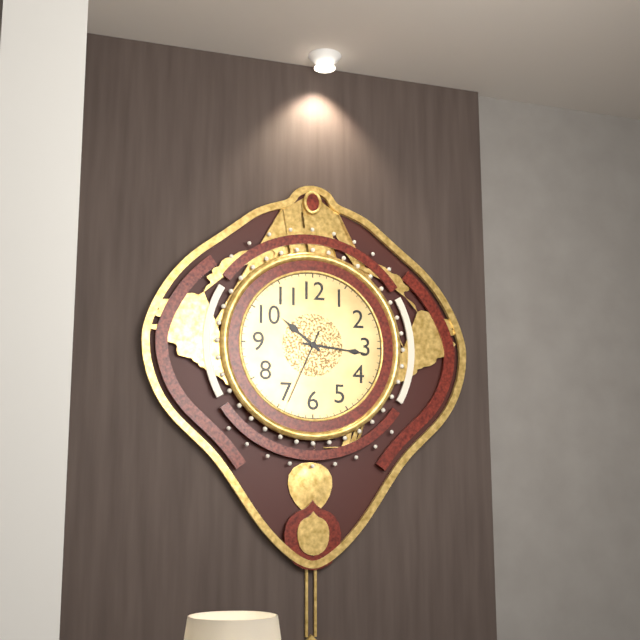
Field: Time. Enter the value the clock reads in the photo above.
10:16:34
